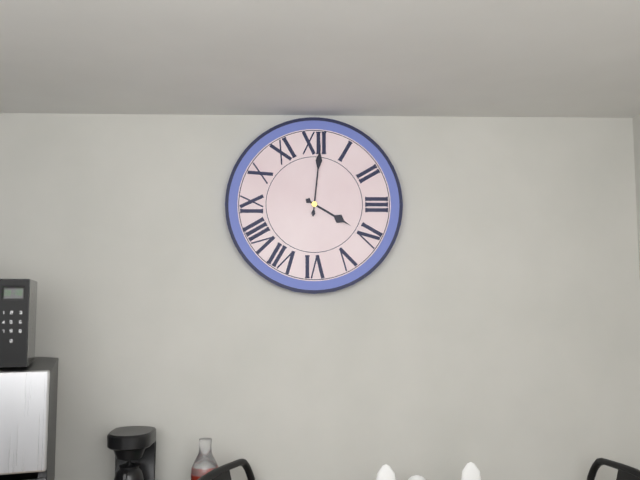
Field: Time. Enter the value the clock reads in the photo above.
4:01
